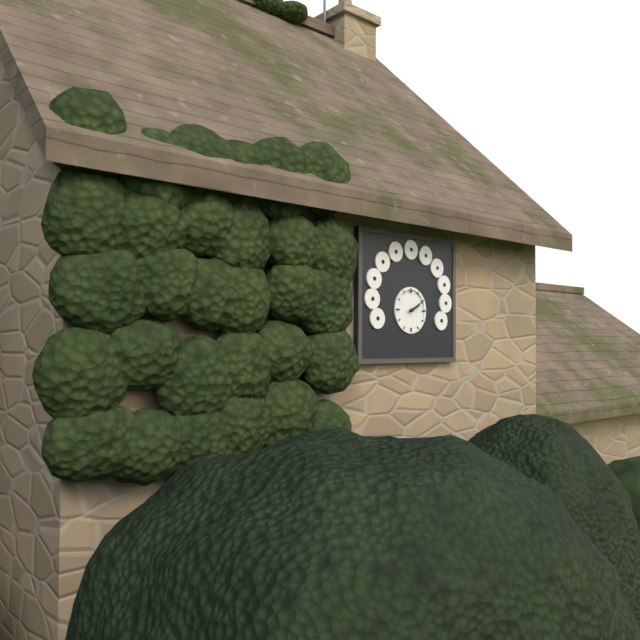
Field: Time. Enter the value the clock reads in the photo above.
2:10
